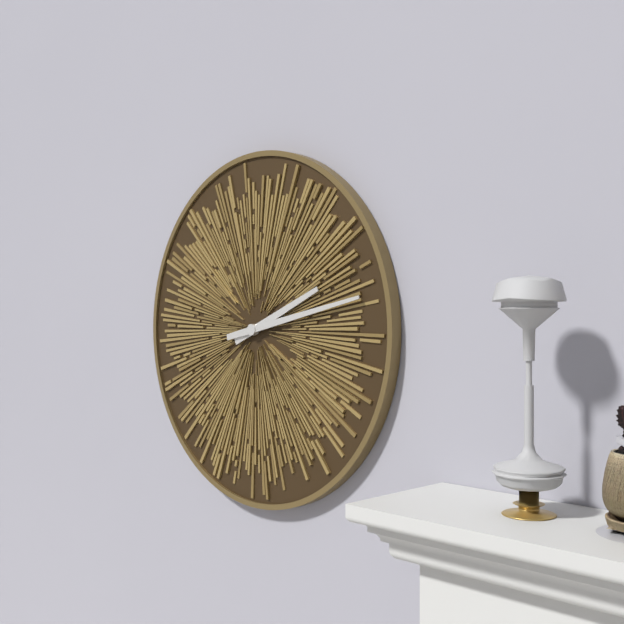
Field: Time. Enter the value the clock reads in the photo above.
2:13
